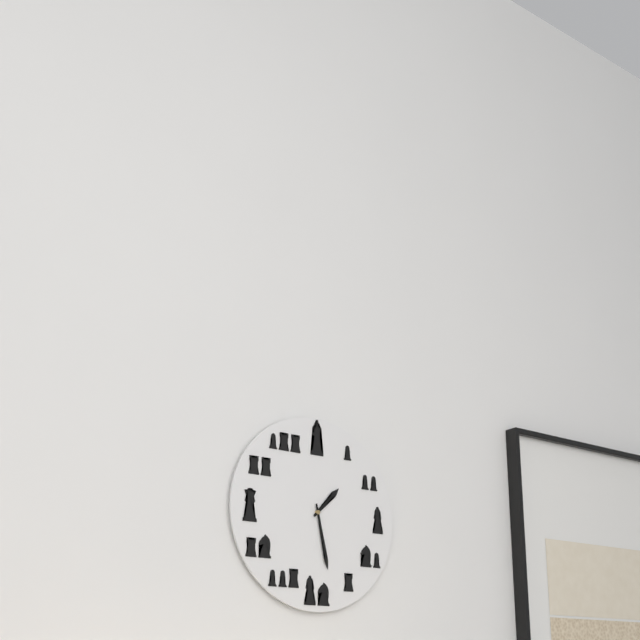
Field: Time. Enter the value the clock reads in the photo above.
1:28
